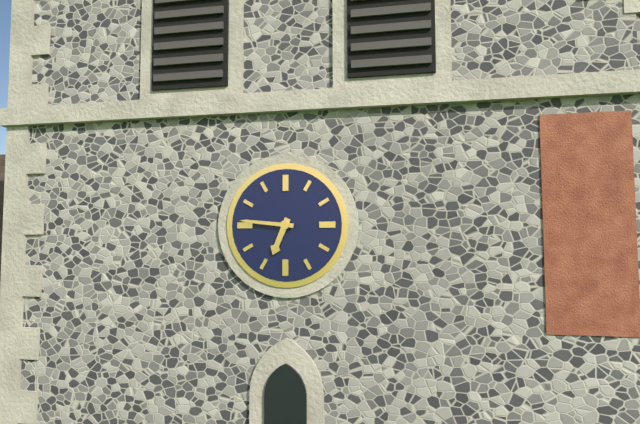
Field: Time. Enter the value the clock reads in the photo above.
6:46
